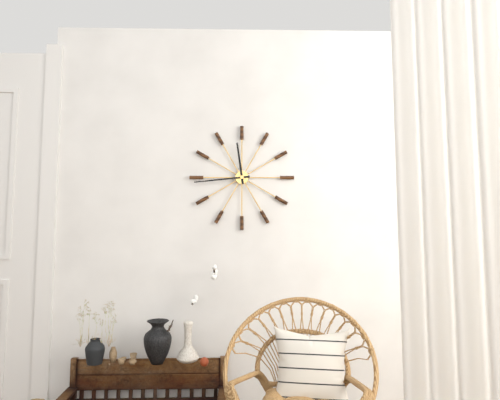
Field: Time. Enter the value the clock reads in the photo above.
11:44
